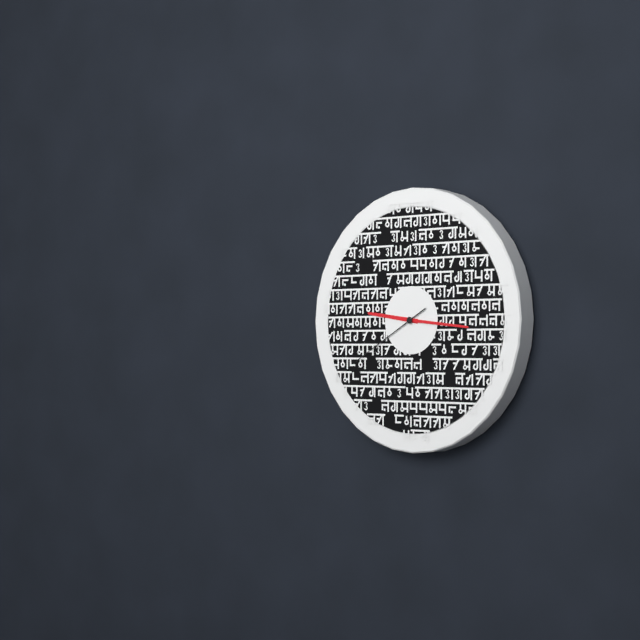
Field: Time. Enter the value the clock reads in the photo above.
9:16:40
